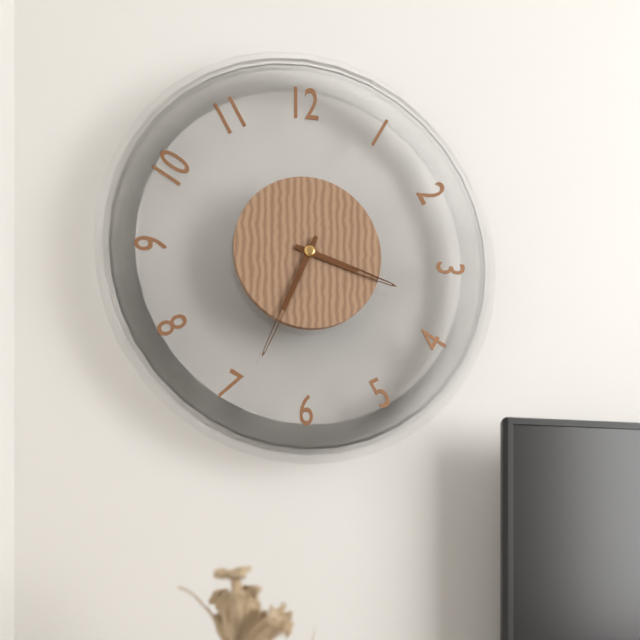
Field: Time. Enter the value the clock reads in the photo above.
3:34
